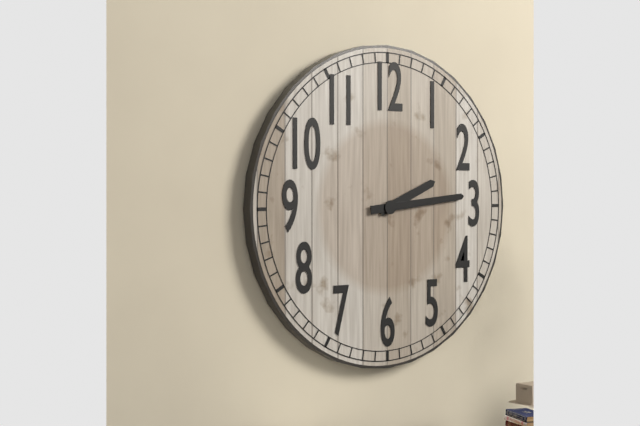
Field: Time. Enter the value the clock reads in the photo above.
2:14
